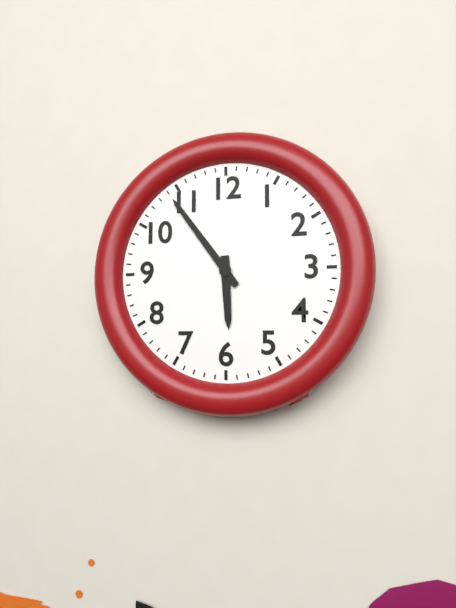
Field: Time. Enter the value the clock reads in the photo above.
5:54
